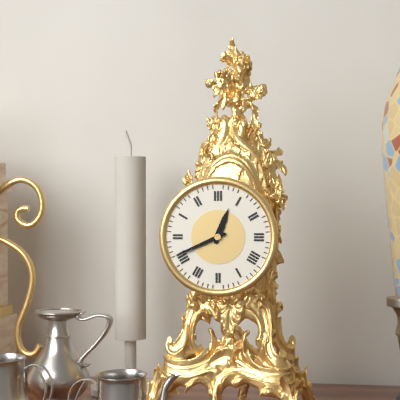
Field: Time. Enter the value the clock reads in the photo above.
12:41
